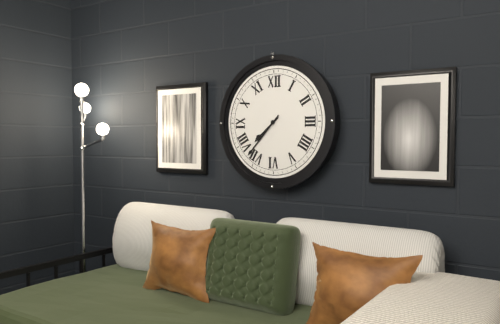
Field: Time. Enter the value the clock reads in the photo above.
7:37
